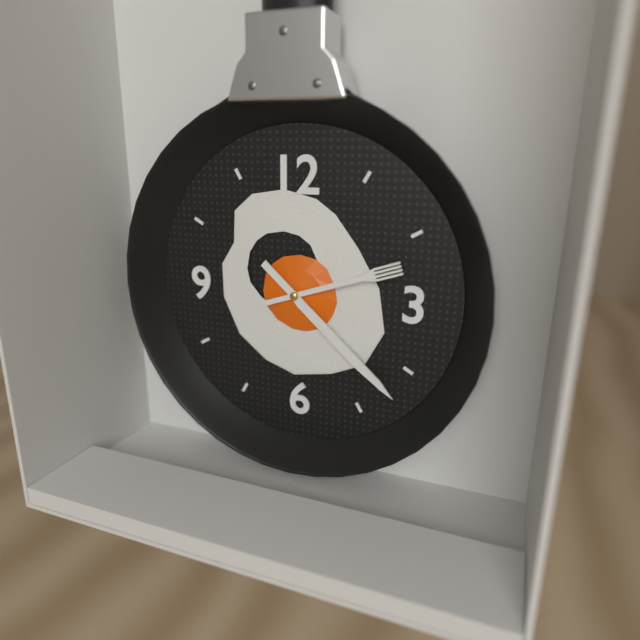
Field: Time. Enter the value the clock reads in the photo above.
2:22
